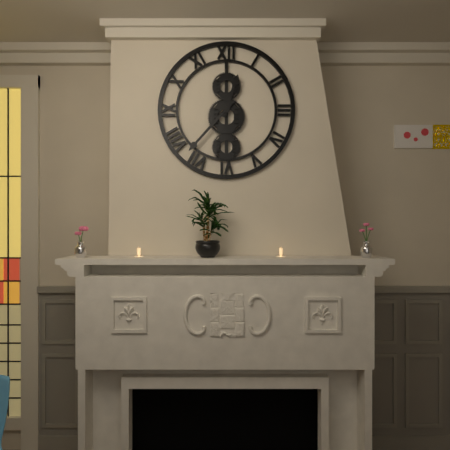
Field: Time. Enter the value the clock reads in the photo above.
12:37
